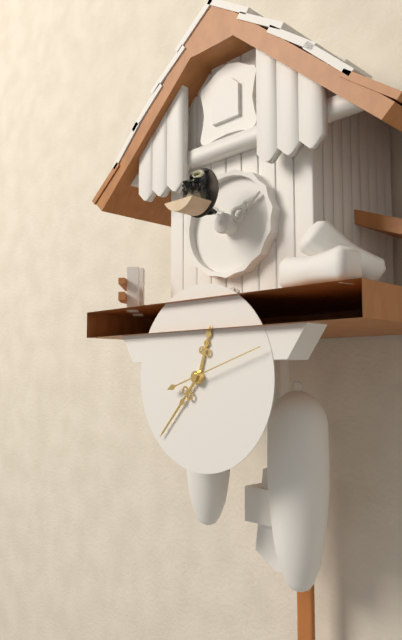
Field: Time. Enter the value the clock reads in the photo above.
12:37:12
